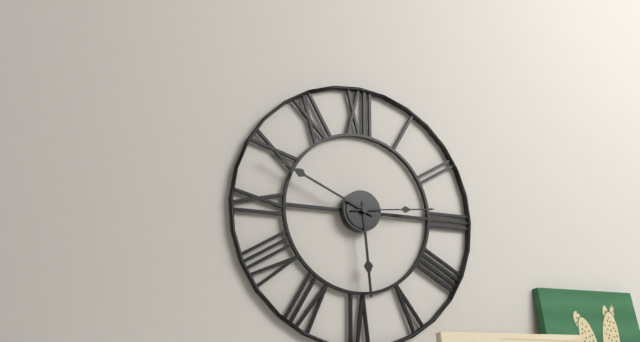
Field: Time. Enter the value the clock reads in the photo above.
5:49:14
